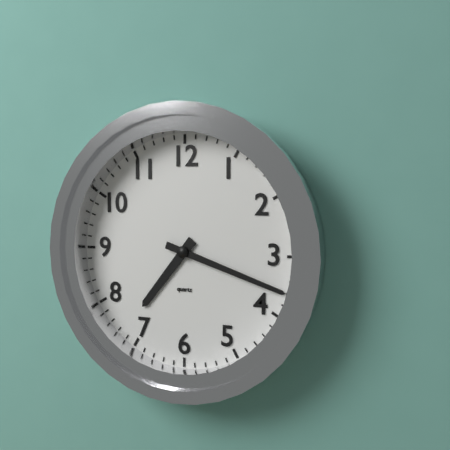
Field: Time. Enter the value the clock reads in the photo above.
7:18
